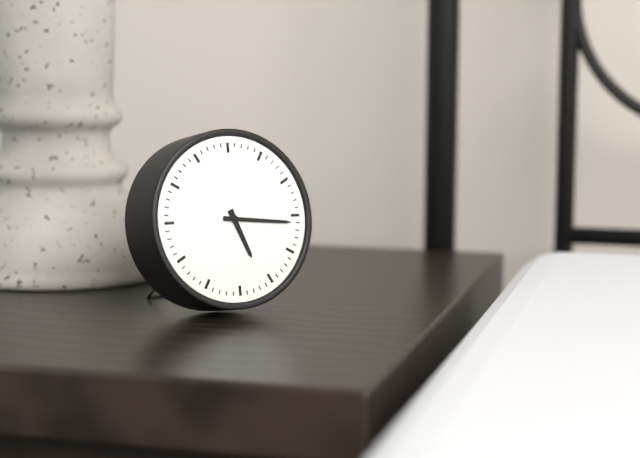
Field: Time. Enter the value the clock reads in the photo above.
5:16
